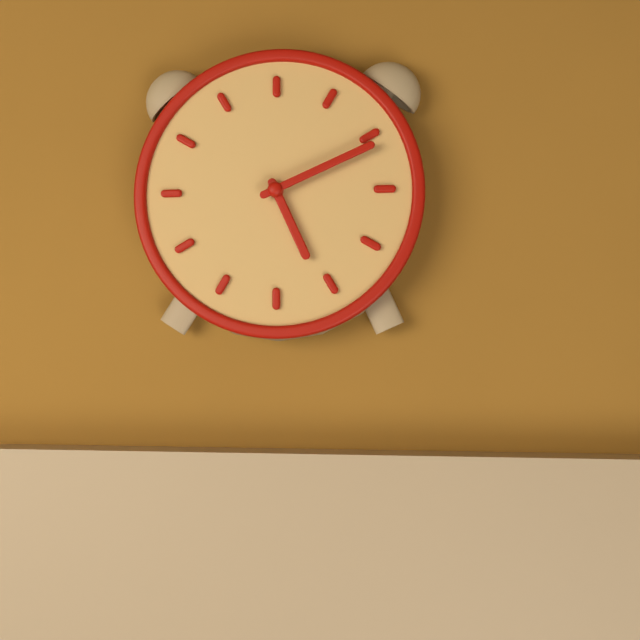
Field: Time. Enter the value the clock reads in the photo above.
5:11
